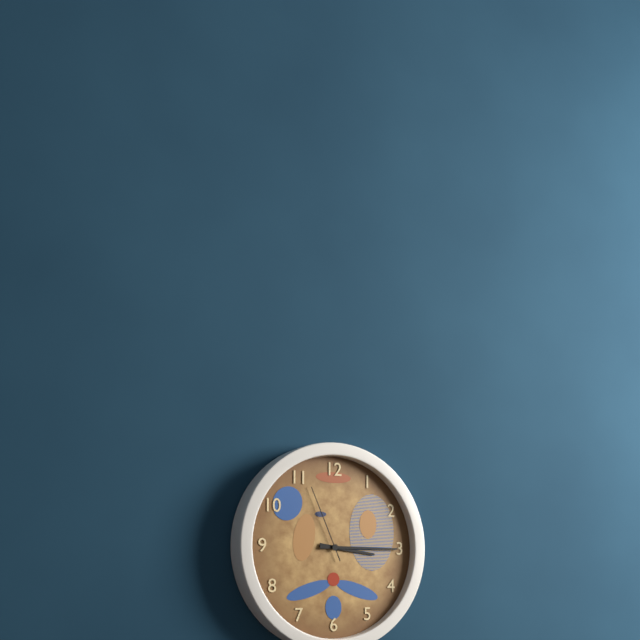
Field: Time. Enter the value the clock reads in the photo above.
3:15:56
